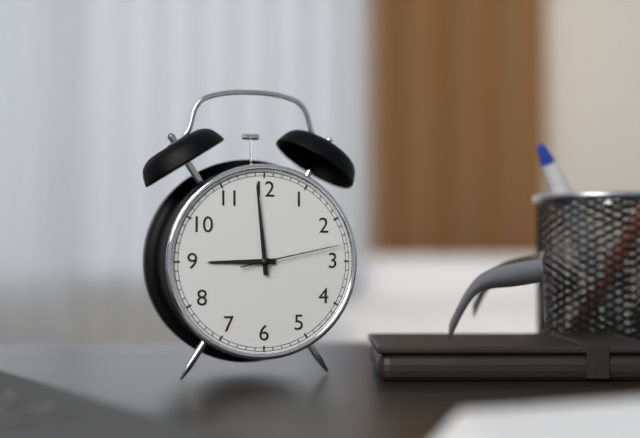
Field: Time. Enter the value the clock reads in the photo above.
8:59:13
